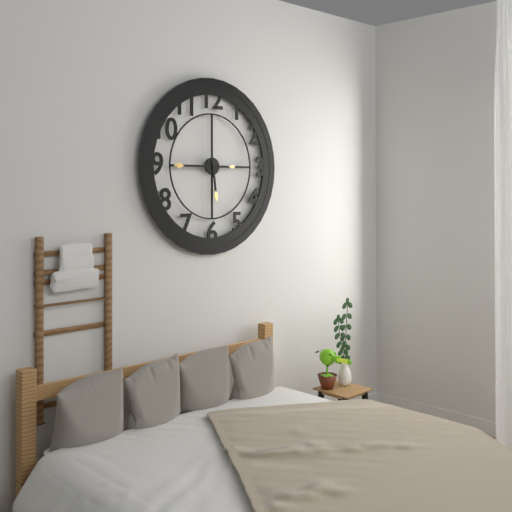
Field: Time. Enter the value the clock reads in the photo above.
5:45
